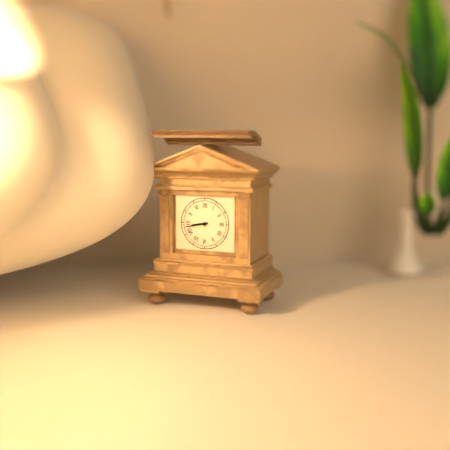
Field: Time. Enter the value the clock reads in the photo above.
8:43
